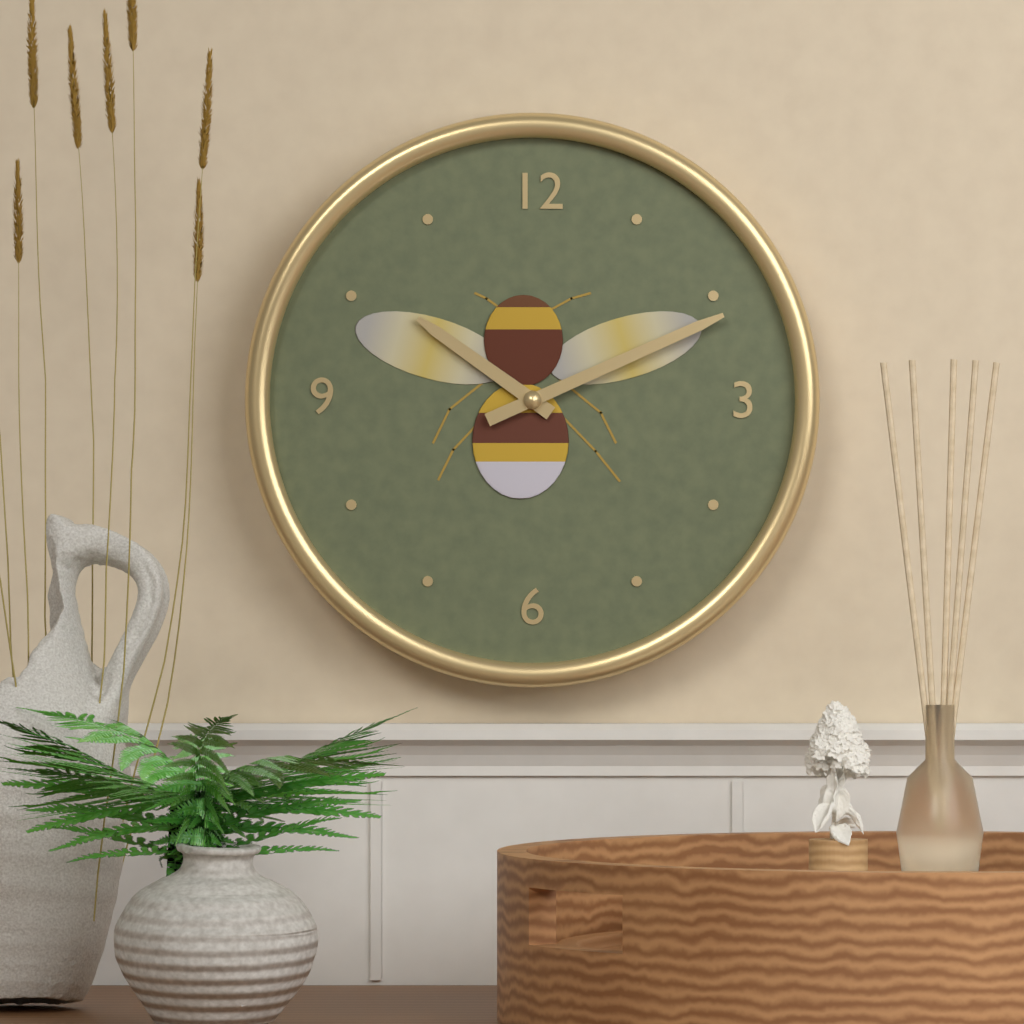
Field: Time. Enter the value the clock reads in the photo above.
10:11
